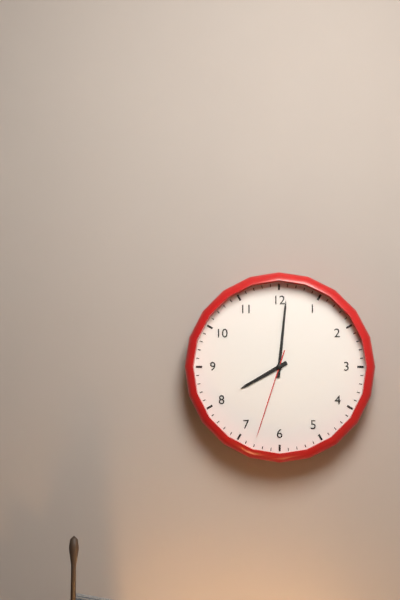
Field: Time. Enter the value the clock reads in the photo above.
8:01:33
